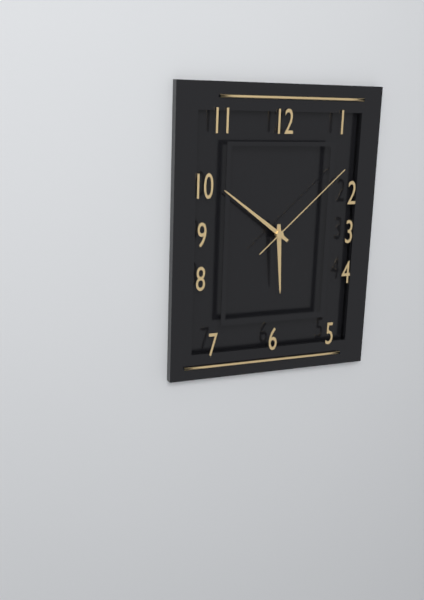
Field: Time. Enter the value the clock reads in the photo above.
5:51:08
